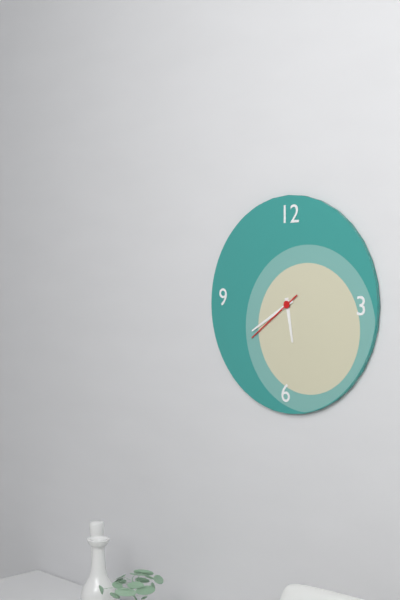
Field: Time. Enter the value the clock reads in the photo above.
5:40:39
